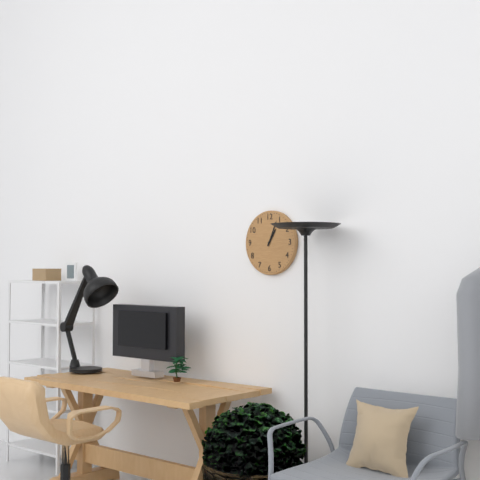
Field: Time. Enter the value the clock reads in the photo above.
1:04
